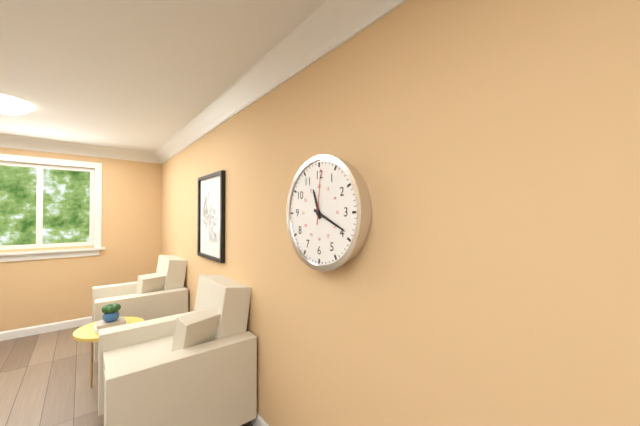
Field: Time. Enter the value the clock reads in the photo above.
11:19:01
